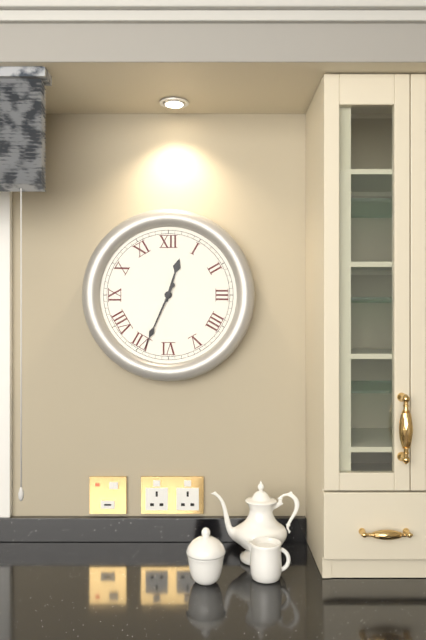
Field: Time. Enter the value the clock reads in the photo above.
12:34
